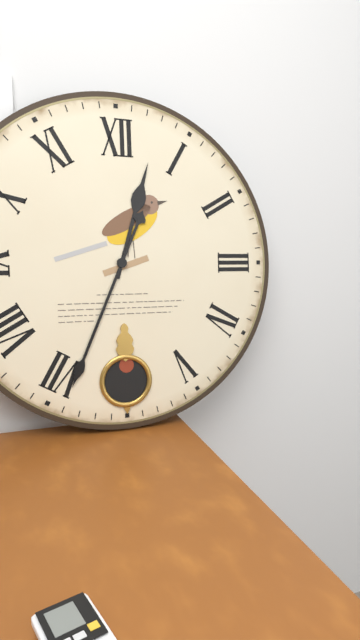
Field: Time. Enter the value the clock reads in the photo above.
12:34
